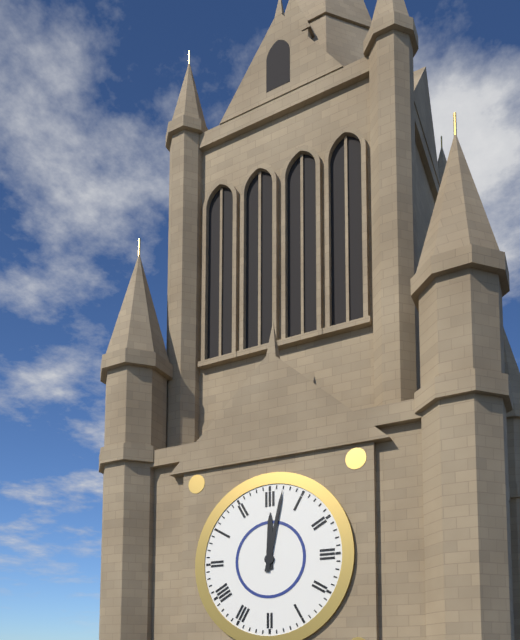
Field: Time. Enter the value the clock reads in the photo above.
12:02
